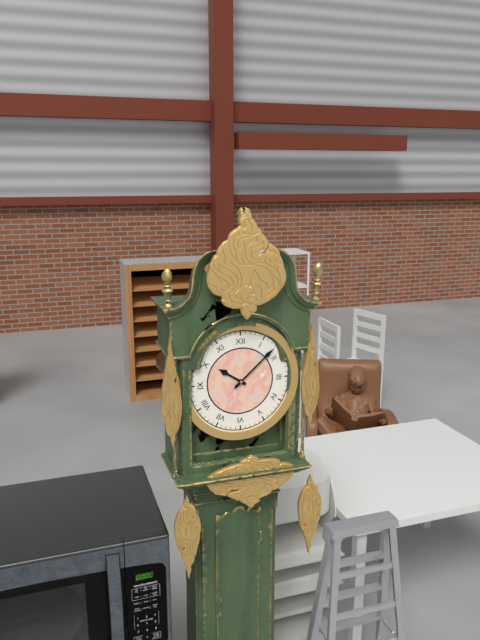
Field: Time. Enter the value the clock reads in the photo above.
10:08
